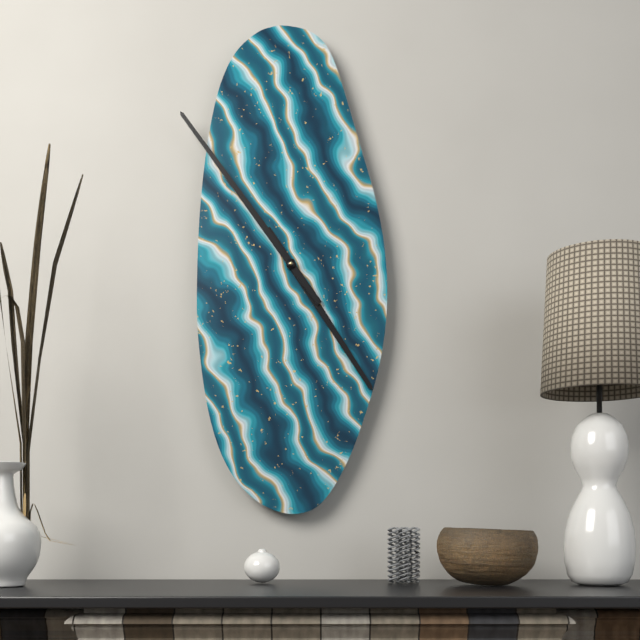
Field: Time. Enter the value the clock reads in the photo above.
4:54
